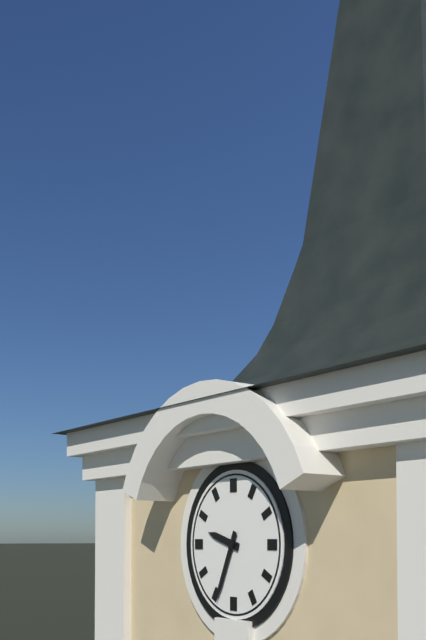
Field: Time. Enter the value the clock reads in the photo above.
9:34
